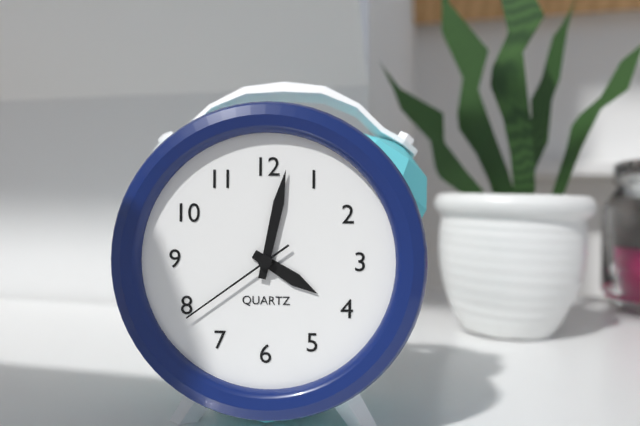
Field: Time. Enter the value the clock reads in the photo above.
4:02:39
